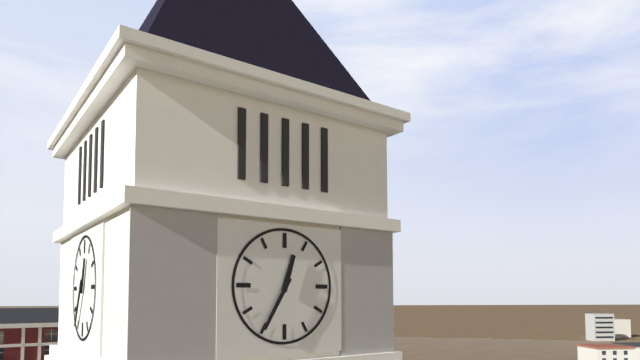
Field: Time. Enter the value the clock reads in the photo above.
12:35
